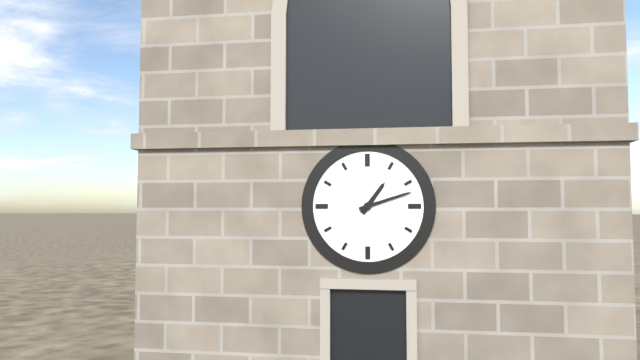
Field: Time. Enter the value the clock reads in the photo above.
1:12
